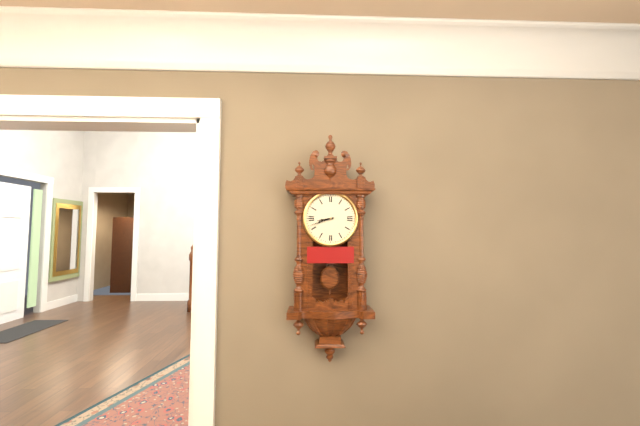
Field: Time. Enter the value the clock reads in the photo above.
8:42
